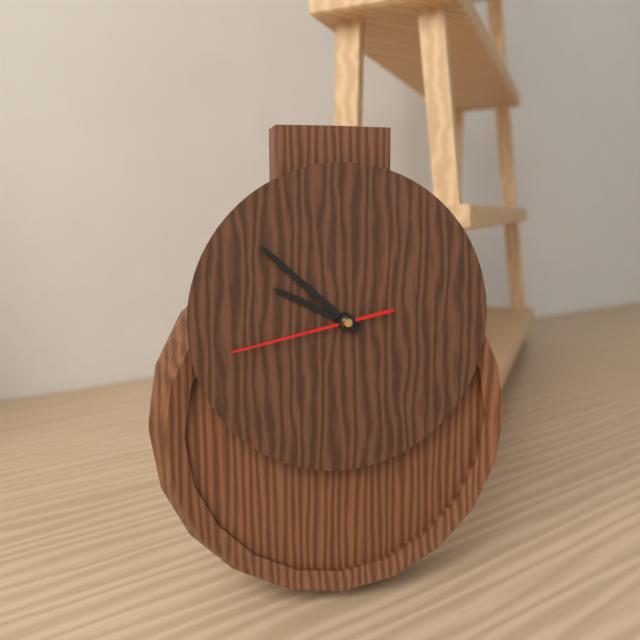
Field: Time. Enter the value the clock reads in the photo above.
9:52:43
